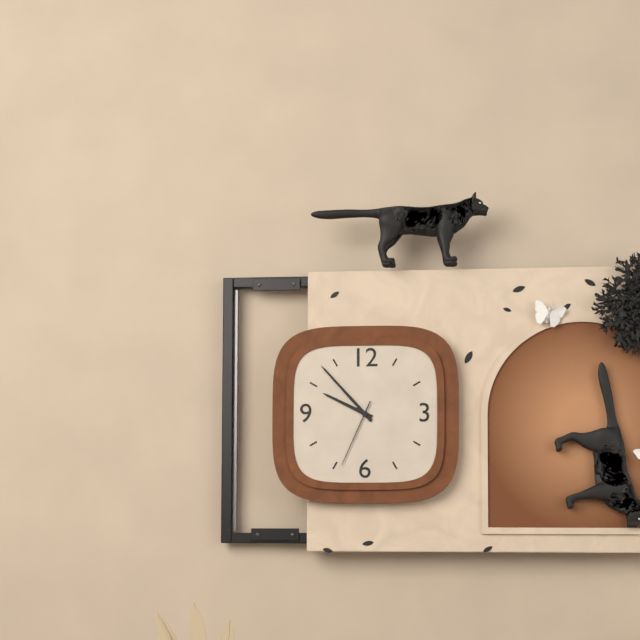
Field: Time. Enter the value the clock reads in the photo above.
9:53:34
